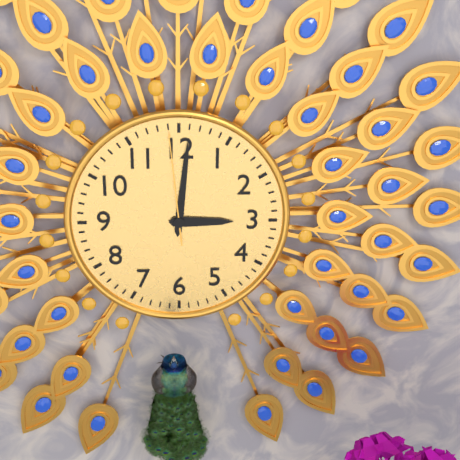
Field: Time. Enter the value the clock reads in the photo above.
3:01:59
